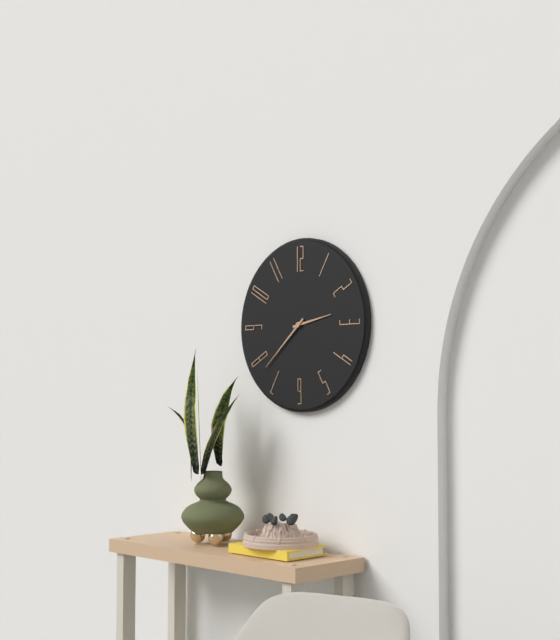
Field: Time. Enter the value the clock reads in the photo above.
2:38
